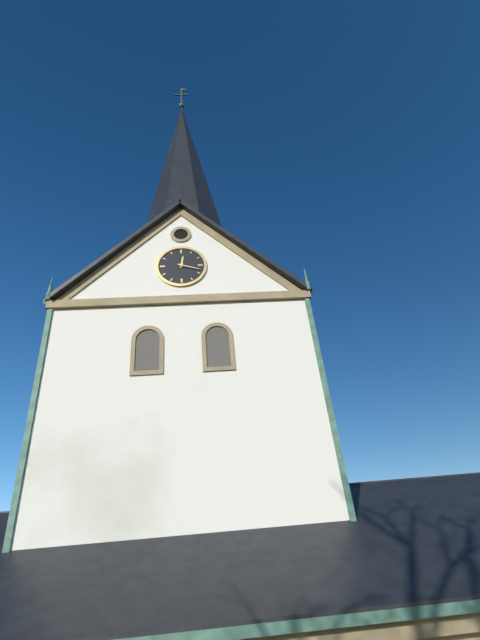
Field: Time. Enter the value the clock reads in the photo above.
12:18
